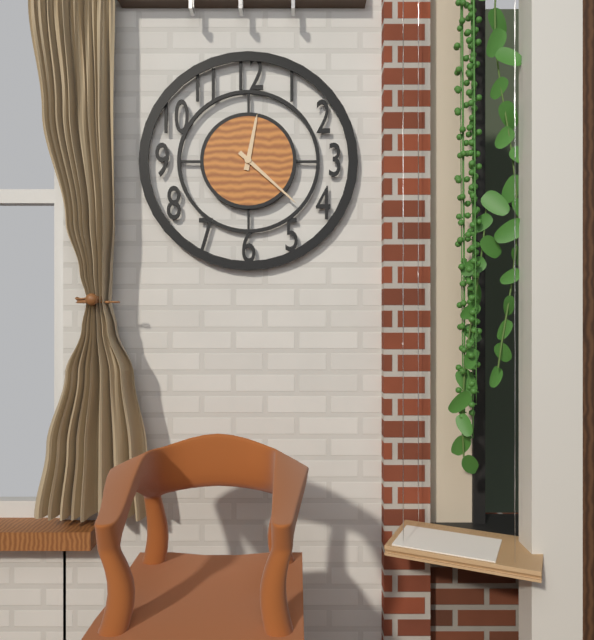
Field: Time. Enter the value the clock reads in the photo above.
12:22
